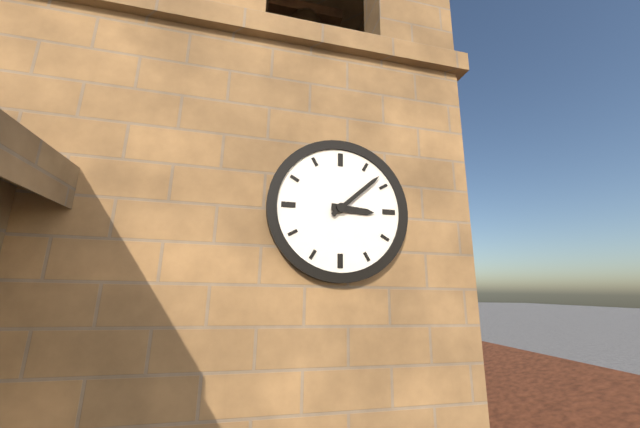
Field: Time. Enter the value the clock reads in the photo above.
3:08
